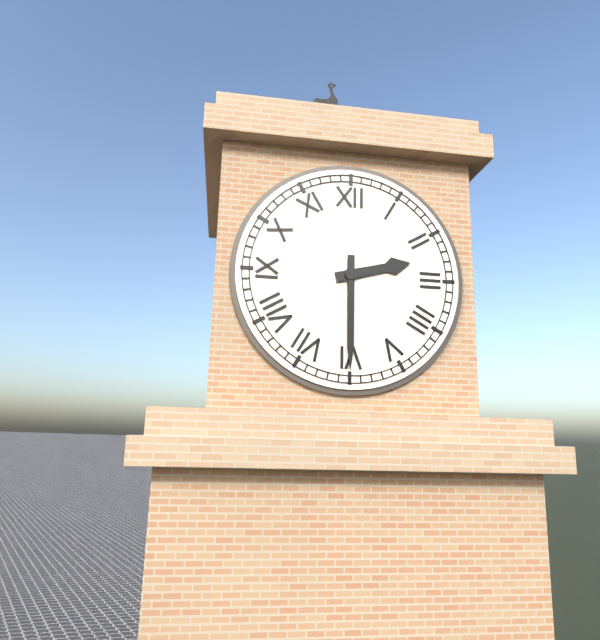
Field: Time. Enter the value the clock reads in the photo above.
2:30
